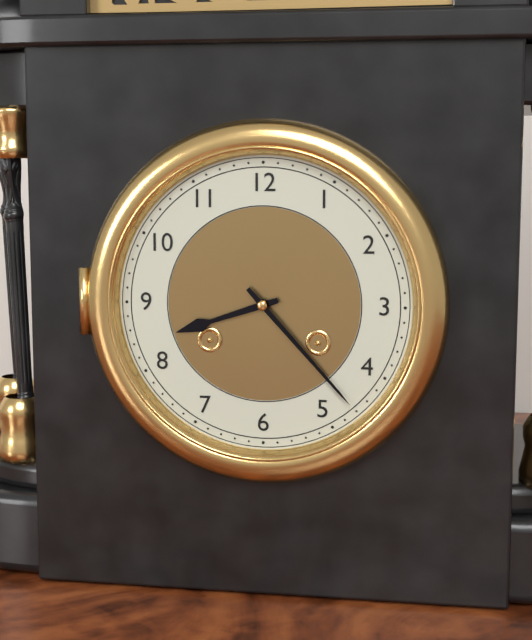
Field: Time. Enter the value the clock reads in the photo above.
8:23
